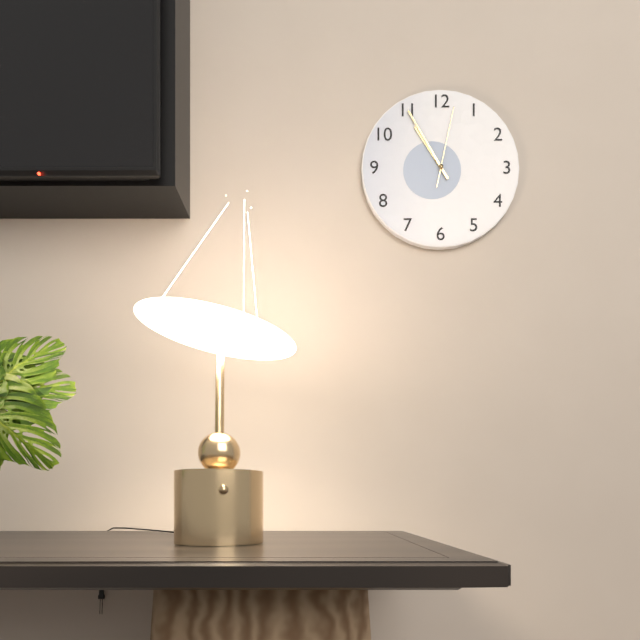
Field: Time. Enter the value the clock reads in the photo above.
10:55:02
